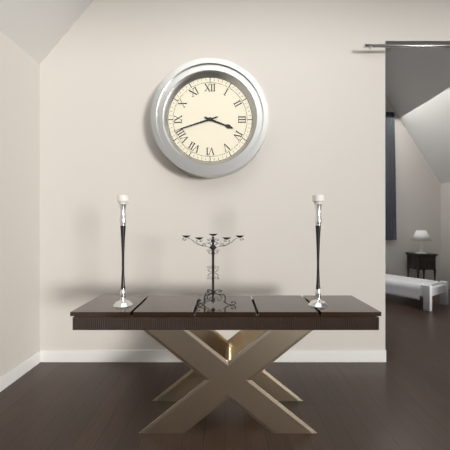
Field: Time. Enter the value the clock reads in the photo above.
3:42
